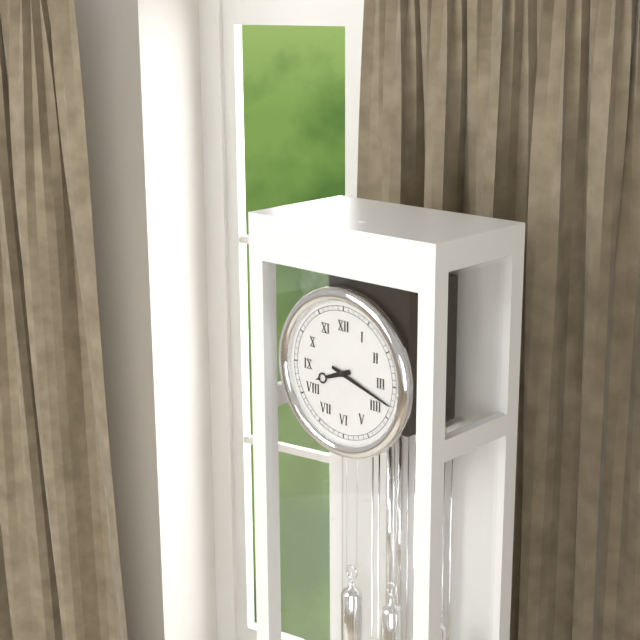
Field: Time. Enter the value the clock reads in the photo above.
8:18
